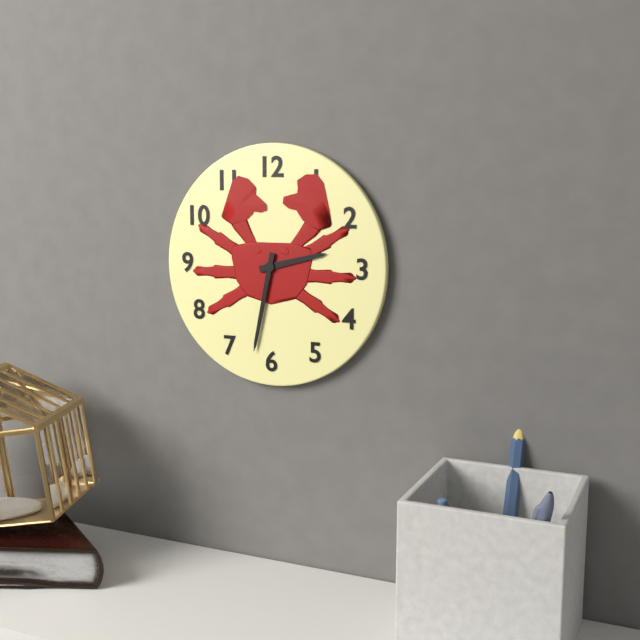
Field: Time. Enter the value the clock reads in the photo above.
2:32
